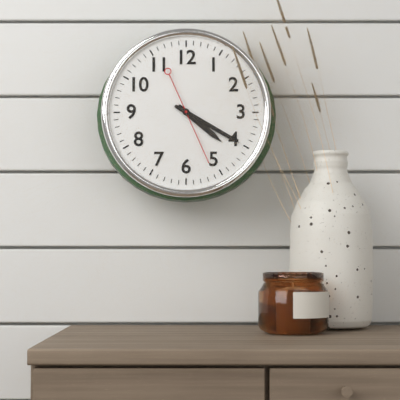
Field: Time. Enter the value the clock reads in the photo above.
4:20:26
